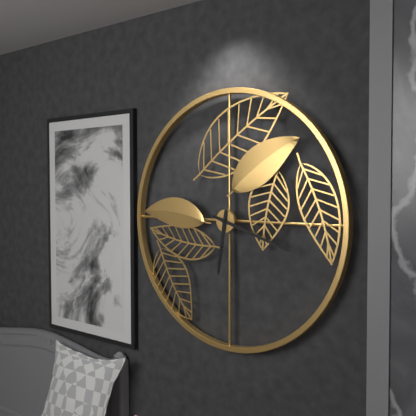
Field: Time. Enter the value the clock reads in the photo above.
6:18
